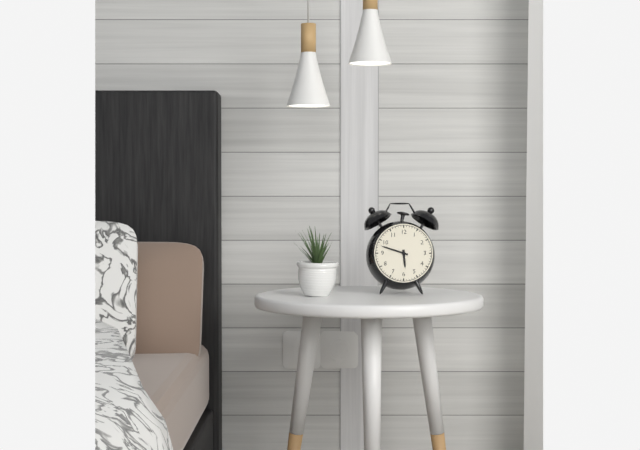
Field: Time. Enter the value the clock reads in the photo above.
5:48
